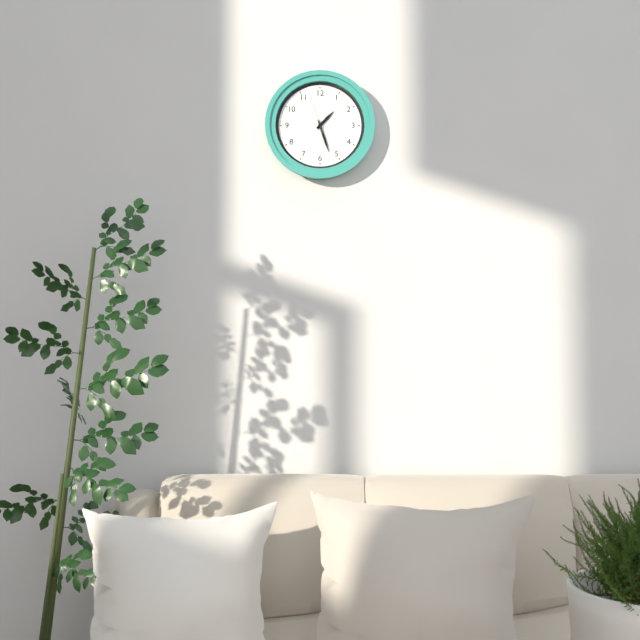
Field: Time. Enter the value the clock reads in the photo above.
1:27
